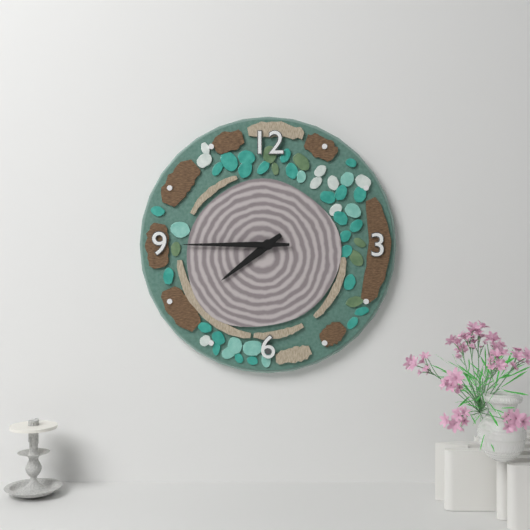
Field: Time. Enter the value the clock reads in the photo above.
7:45
